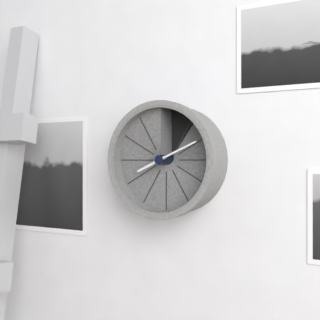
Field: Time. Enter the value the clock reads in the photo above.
8:11
